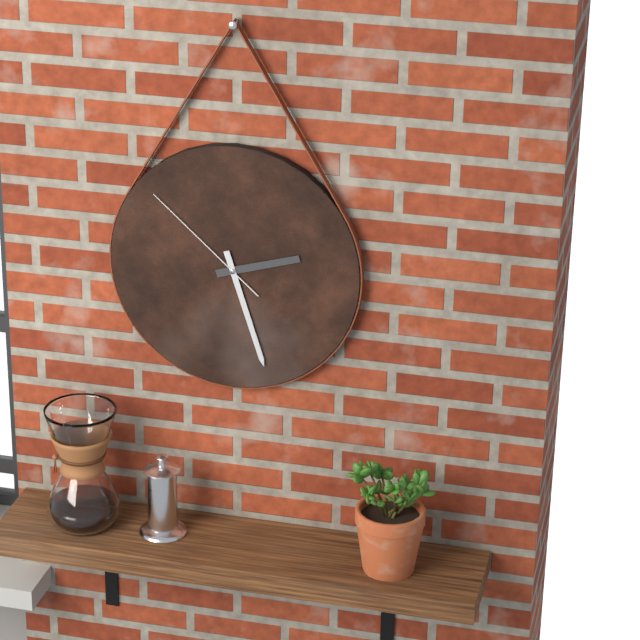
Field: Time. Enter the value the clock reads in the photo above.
2:27:52
